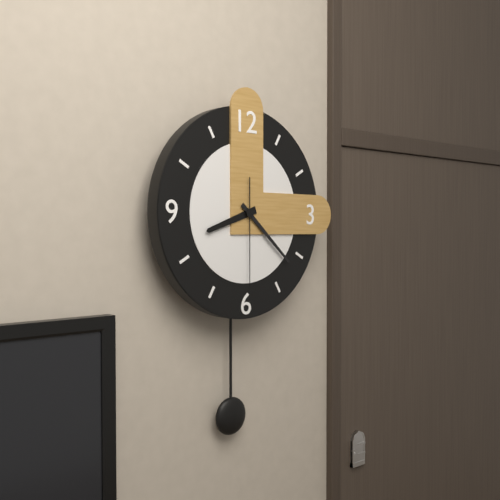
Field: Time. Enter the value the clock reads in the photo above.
8:22:30
